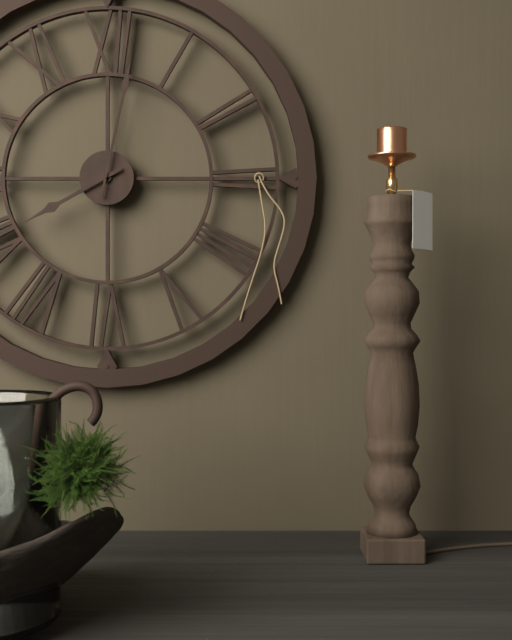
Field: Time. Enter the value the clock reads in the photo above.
8:02
